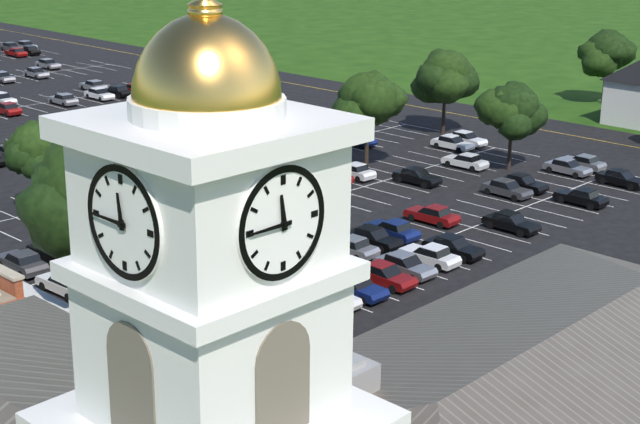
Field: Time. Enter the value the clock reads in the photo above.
11:45
